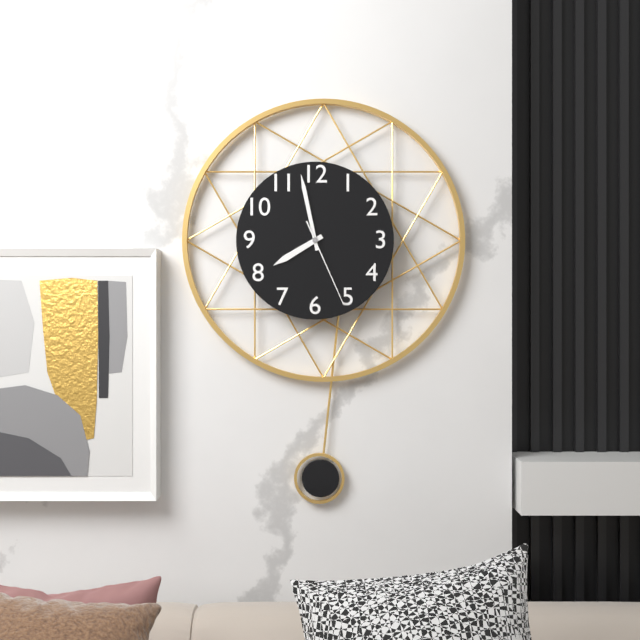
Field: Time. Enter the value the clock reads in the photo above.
7:58:26
